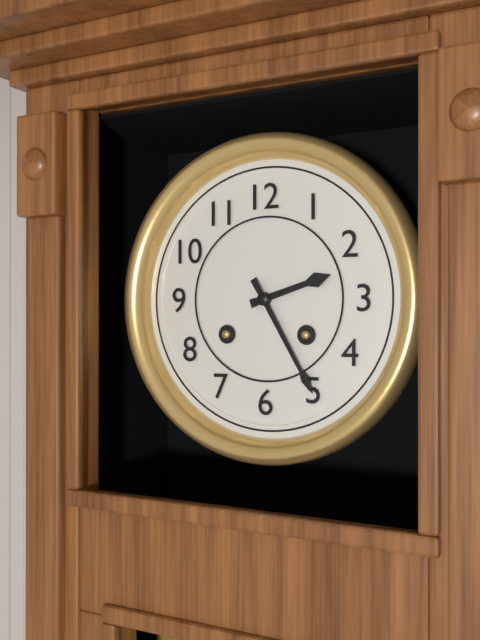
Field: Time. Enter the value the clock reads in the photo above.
2:25
